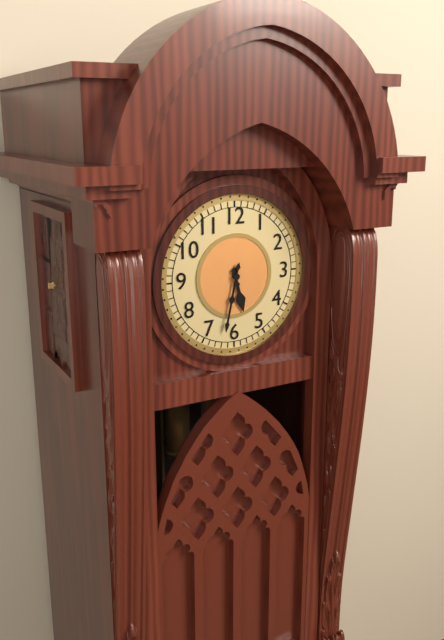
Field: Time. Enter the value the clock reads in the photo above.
5:32
